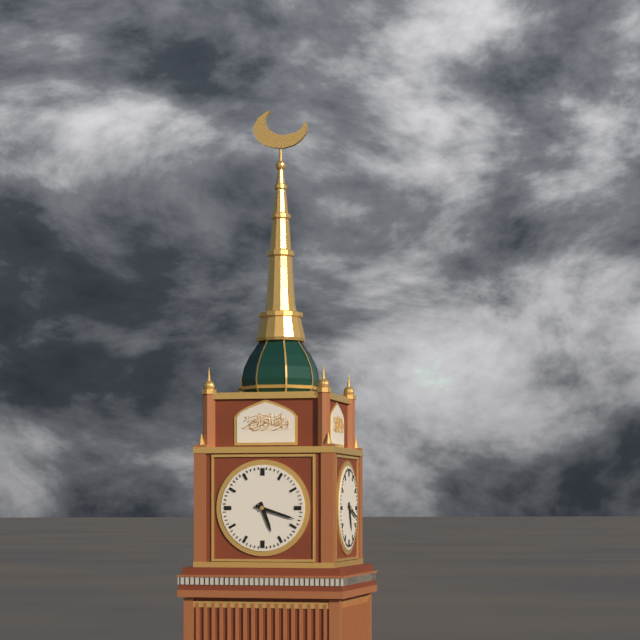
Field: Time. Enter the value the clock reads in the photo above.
5:18
